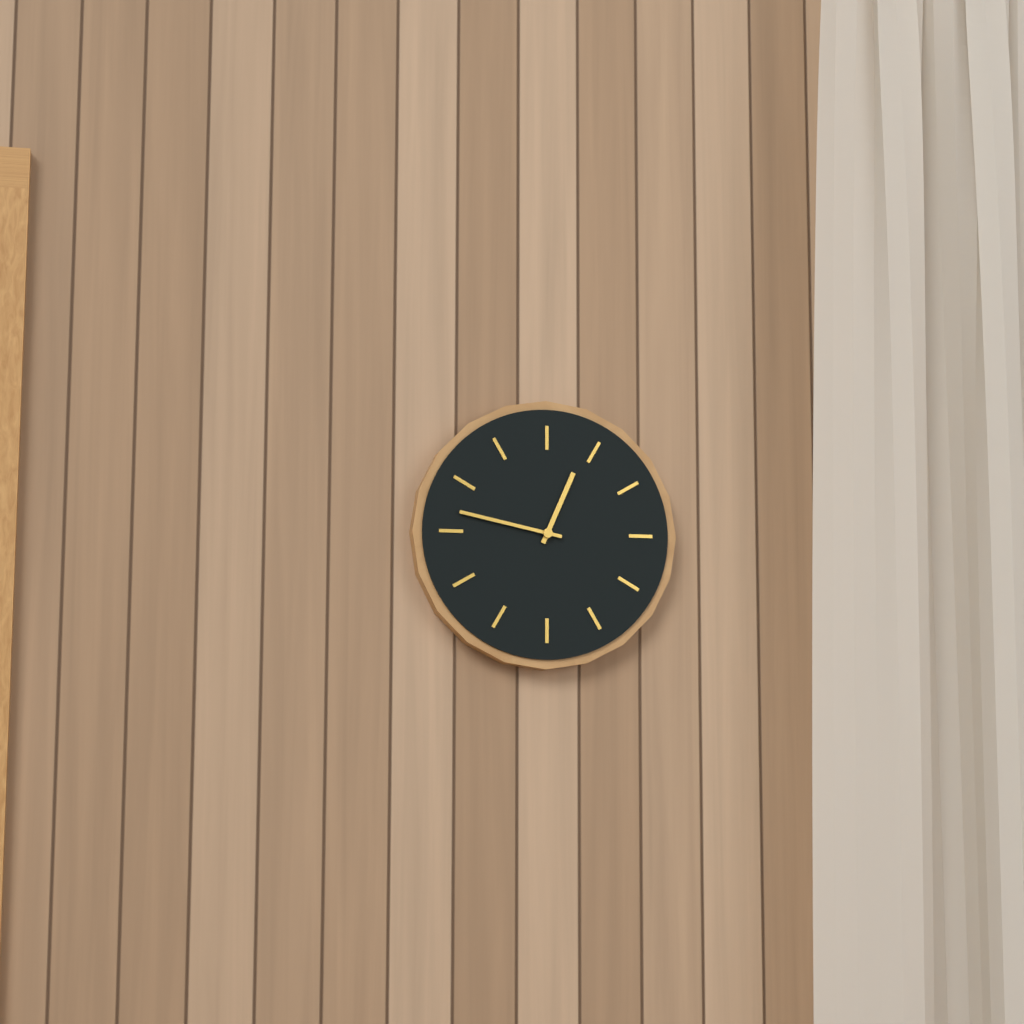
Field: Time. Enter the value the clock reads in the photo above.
12:47
